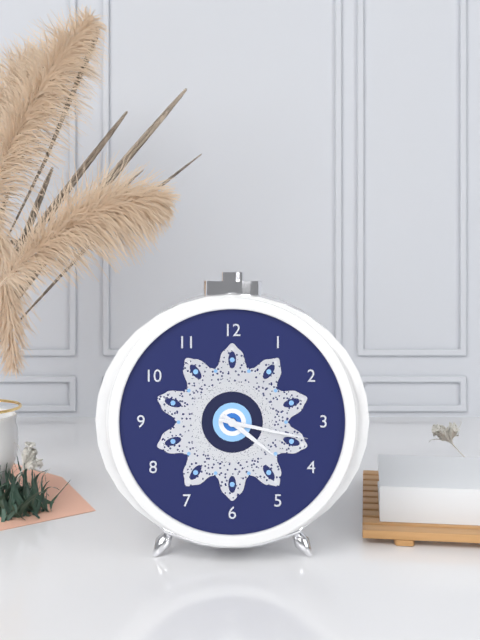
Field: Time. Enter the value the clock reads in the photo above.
4:17
